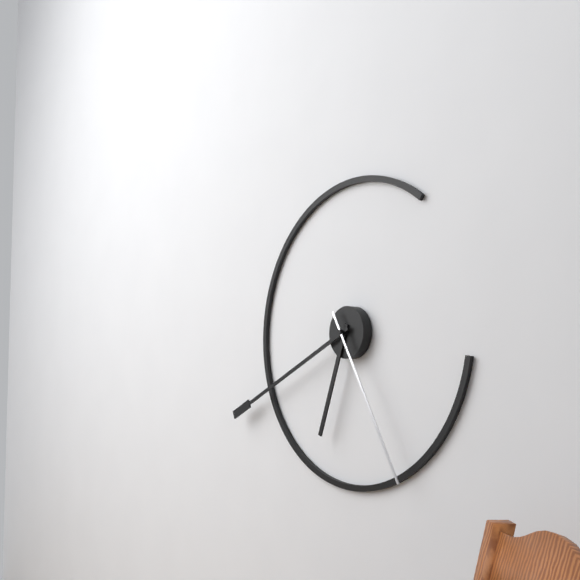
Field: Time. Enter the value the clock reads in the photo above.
6:41:25
